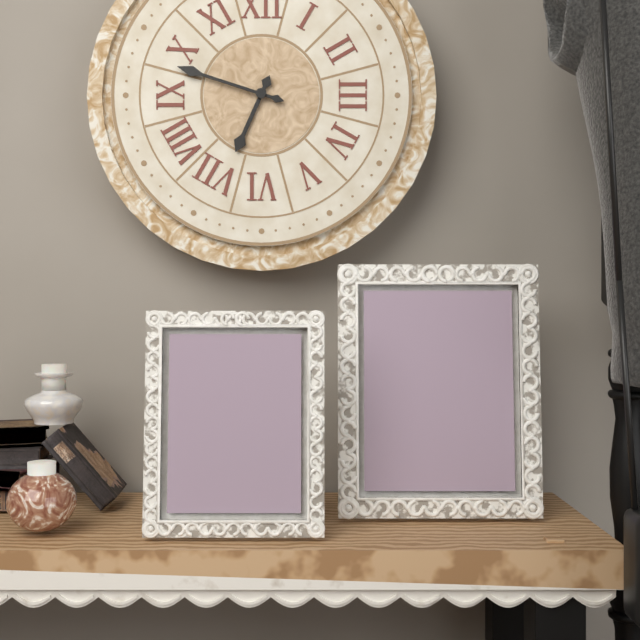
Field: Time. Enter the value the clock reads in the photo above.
6:48
